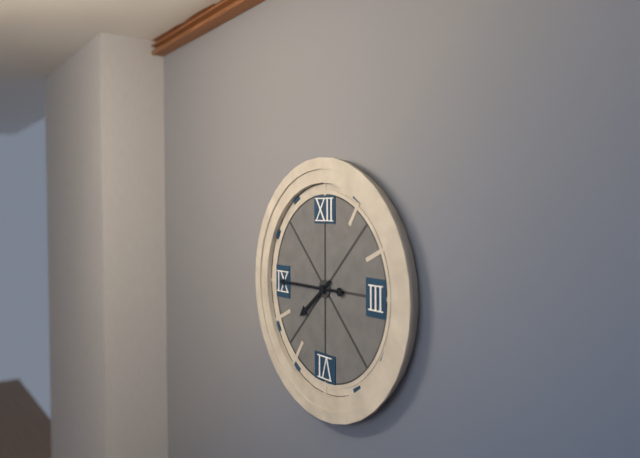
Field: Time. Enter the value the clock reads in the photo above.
7:45
